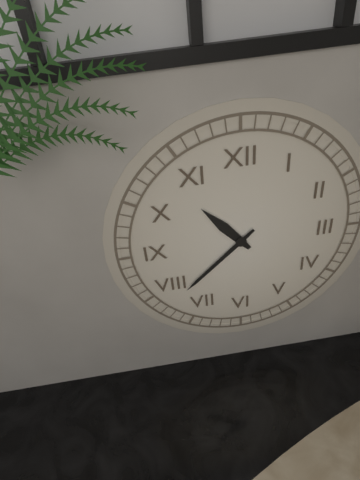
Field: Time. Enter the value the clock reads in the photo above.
10:38
